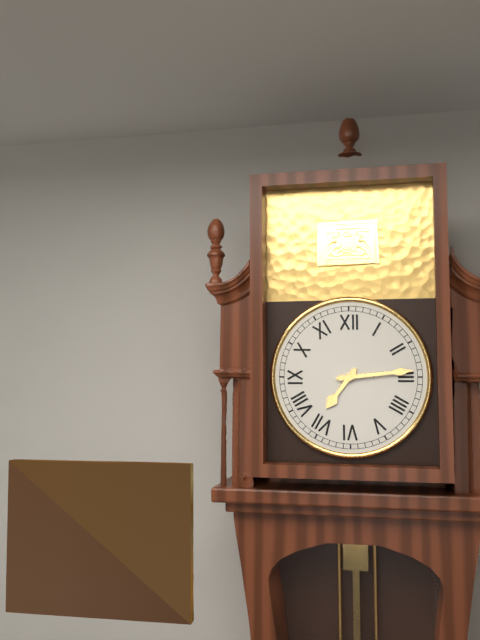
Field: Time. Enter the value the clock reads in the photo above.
7:14
